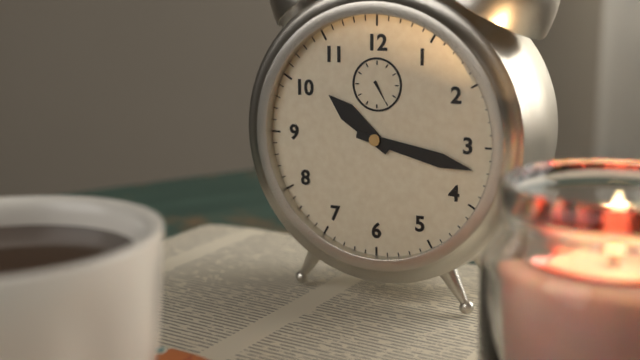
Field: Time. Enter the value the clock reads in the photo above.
10:17
